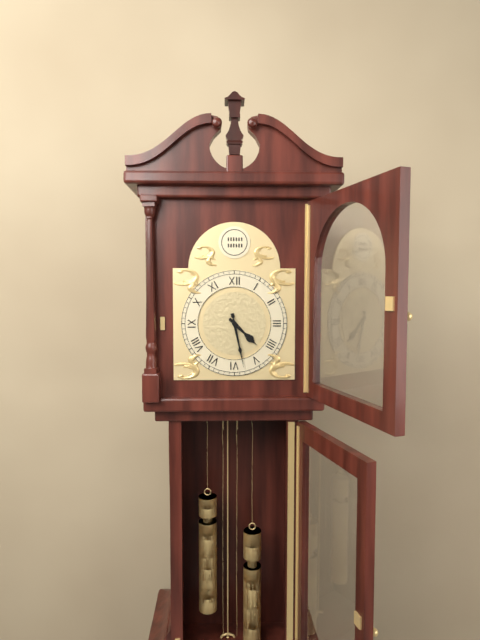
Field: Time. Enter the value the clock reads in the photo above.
4:28
